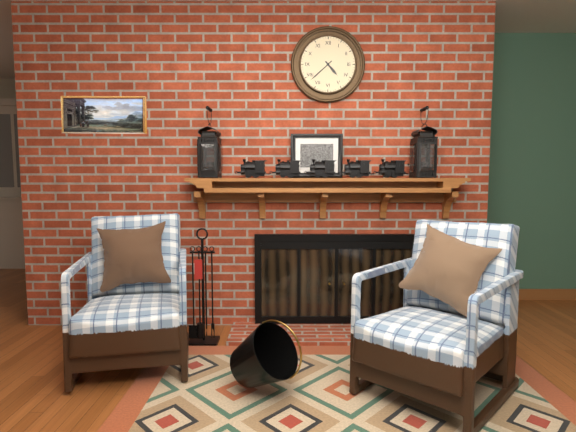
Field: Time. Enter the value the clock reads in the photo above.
4:38
